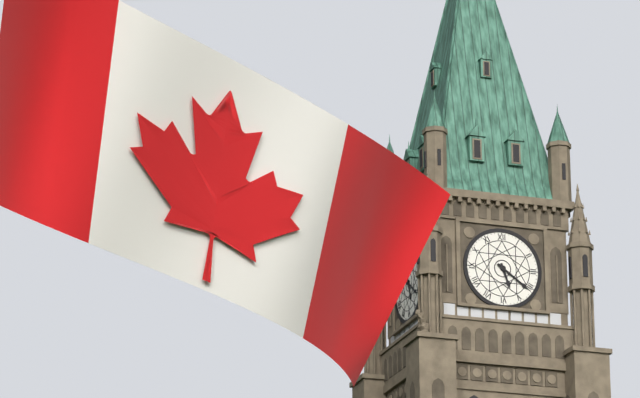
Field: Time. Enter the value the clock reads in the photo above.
5:21
